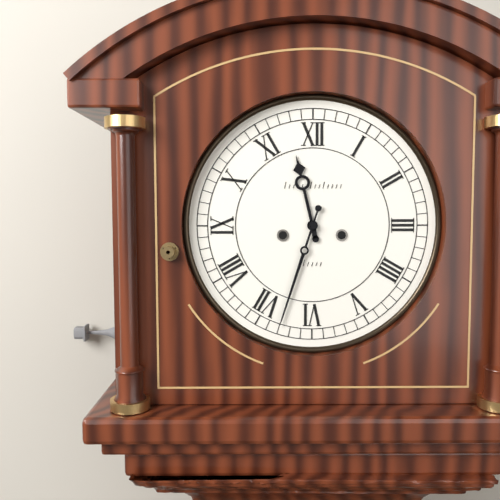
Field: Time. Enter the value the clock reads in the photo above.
11:33
